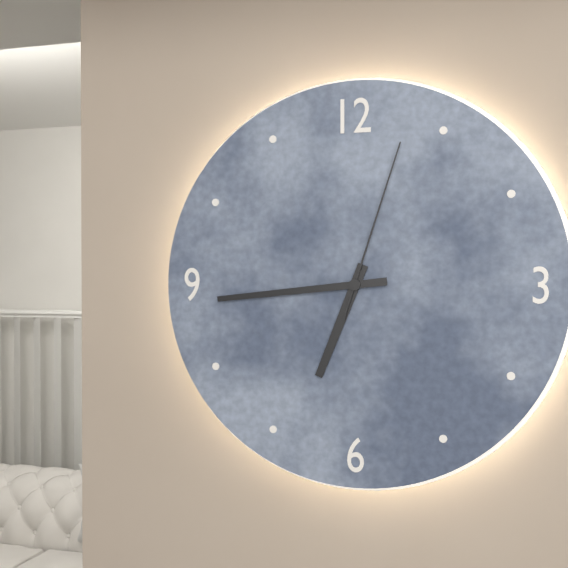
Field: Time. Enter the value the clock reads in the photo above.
6:44:03
